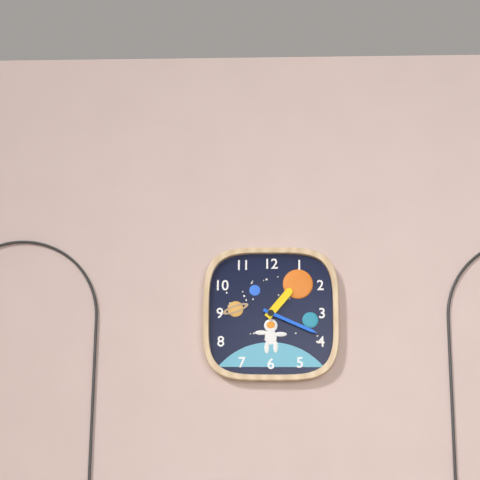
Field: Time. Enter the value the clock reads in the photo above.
1:19
